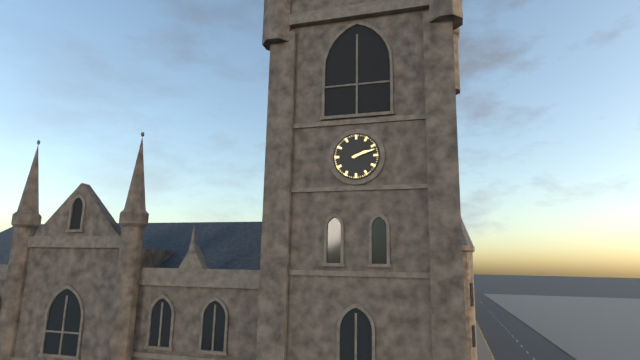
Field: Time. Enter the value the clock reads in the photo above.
2:12
